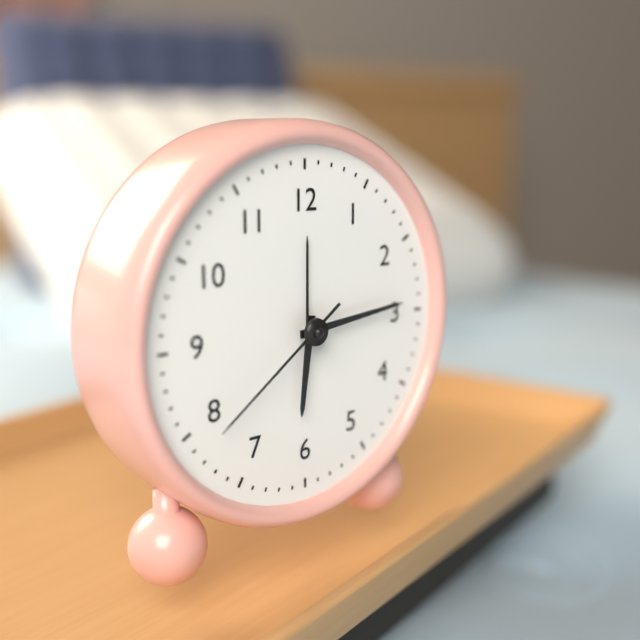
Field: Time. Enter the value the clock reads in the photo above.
6:14:39
